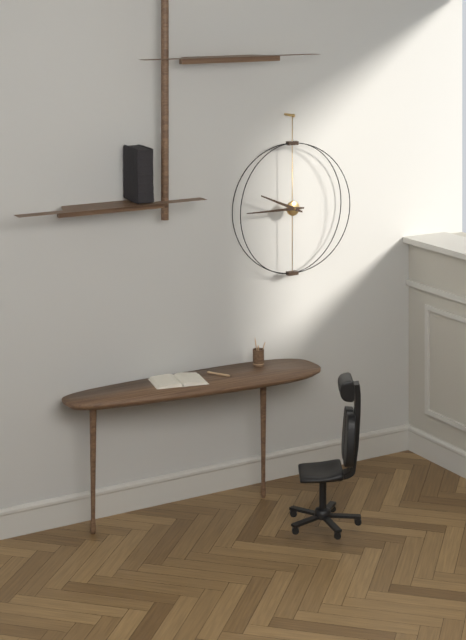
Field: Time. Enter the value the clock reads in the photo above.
9:45
